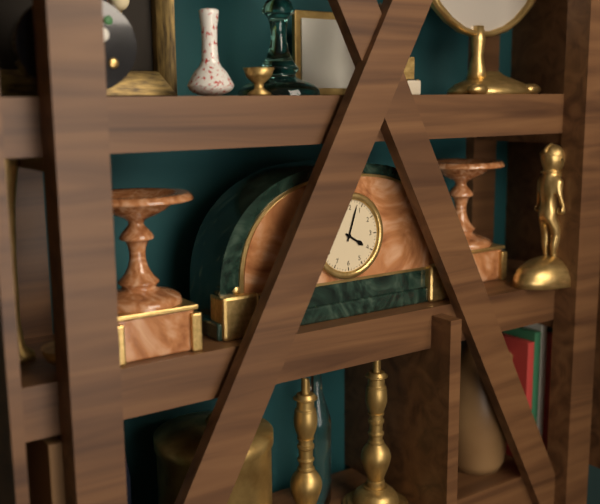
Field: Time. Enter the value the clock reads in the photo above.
4:03
